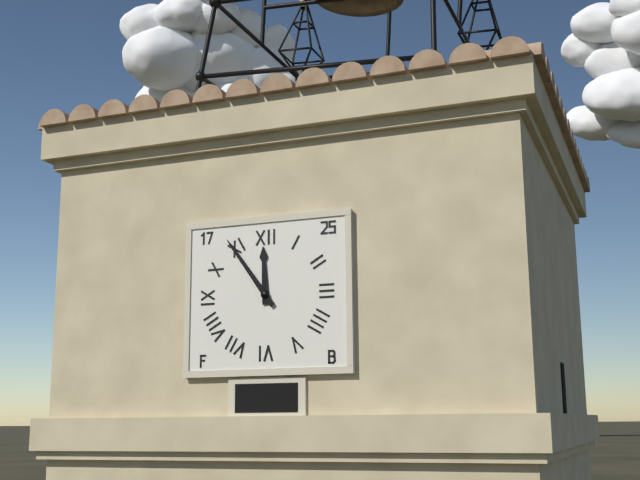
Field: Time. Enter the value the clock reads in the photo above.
11:54
